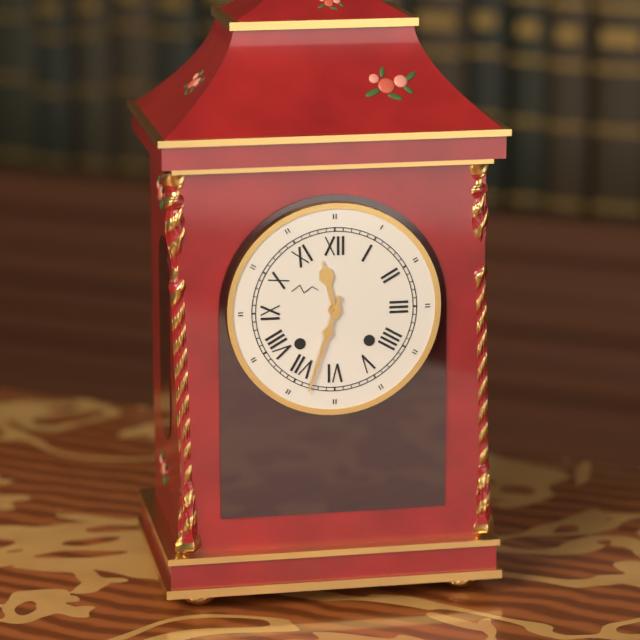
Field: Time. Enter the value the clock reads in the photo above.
11:33
